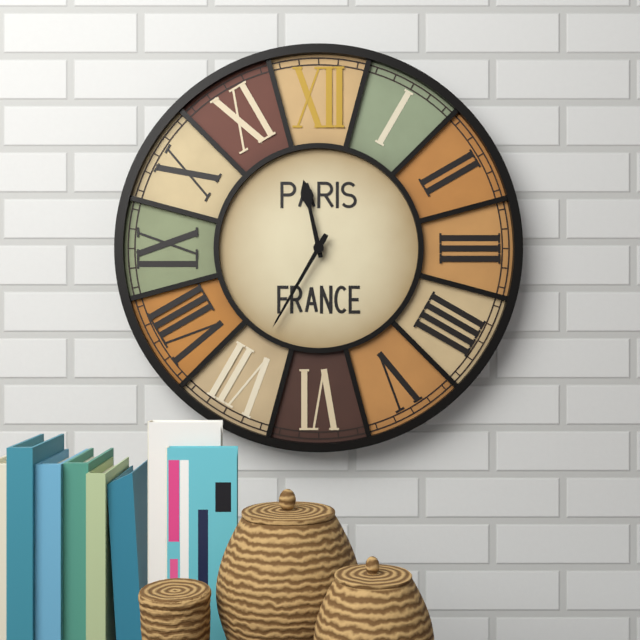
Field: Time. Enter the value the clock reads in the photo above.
11:35
